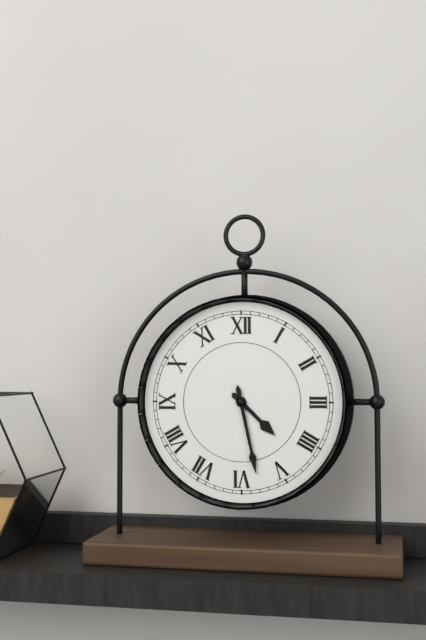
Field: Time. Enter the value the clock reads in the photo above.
4:28
